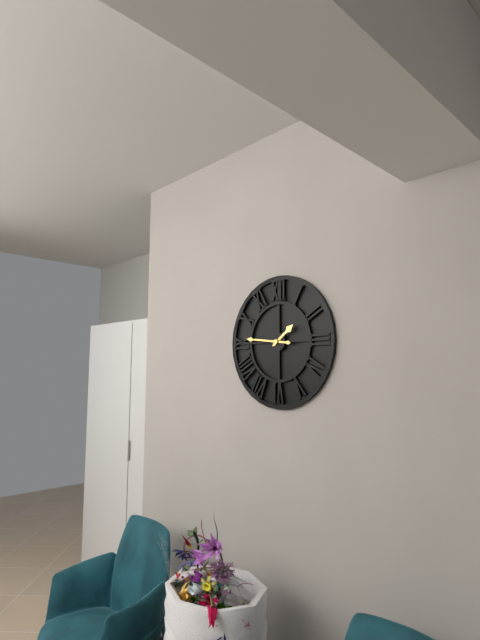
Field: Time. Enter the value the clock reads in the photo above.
1:46
